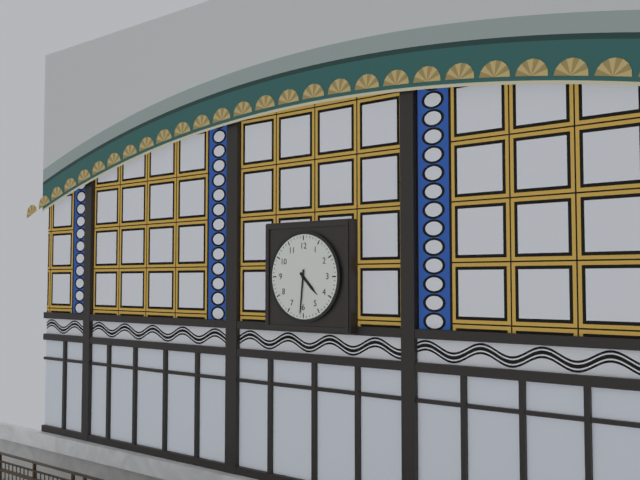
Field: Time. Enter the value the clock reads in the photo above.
4:31
